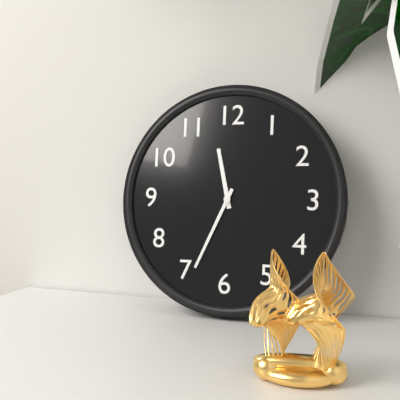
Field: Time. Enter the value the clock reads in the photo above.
11:34
